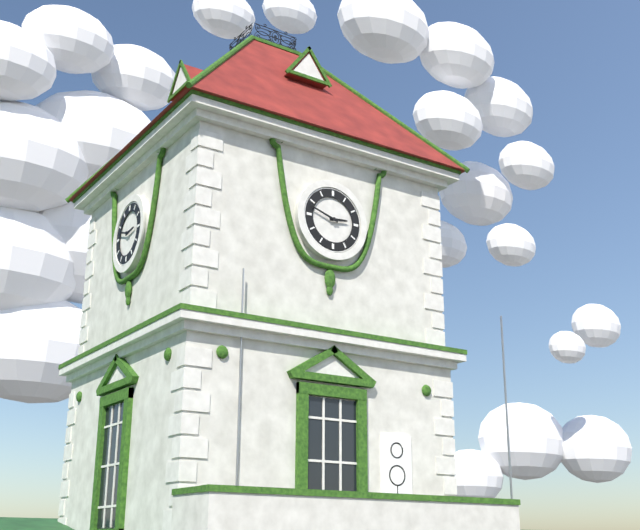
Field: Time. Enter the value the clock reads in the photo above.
2:48
